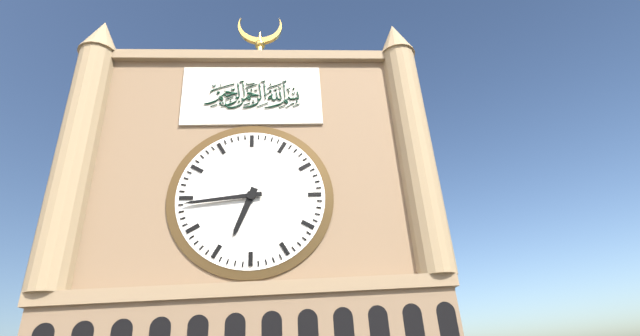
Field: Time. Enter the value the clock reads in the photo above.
6:44
